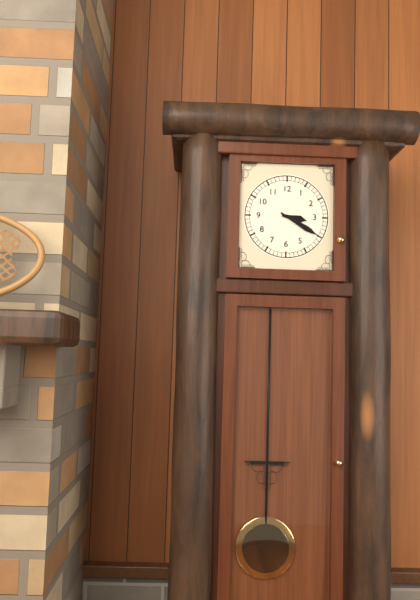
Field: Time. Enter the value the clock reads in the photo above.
3:20
